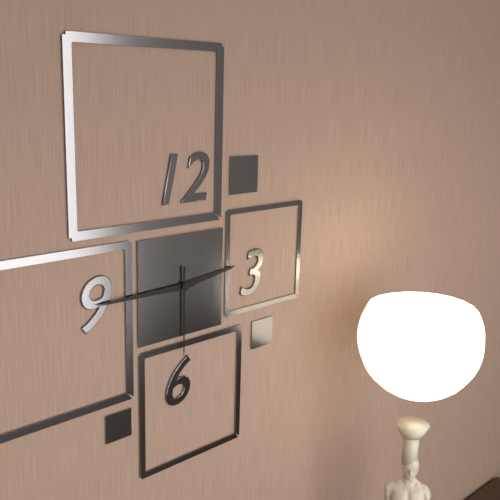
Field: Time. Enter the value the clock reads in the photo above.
2:45:30
